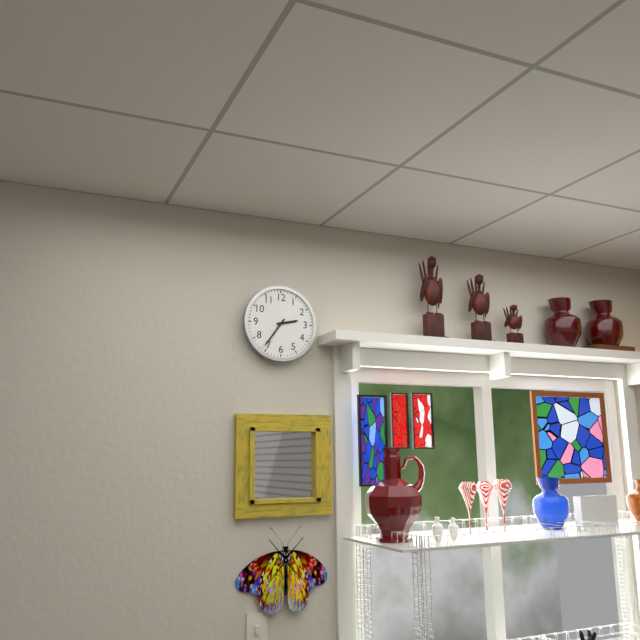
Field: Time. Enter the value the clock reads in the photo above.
2:36
